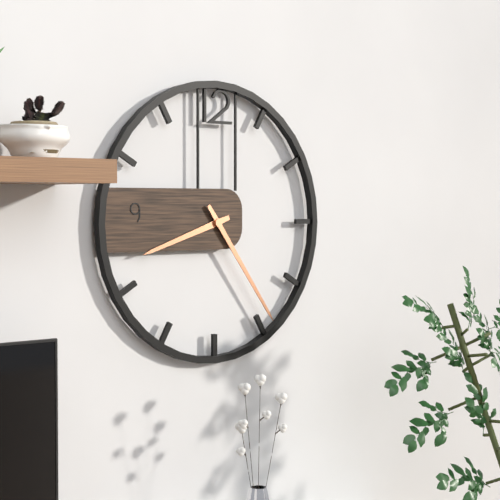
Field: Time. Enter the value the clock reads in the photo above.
8:24
